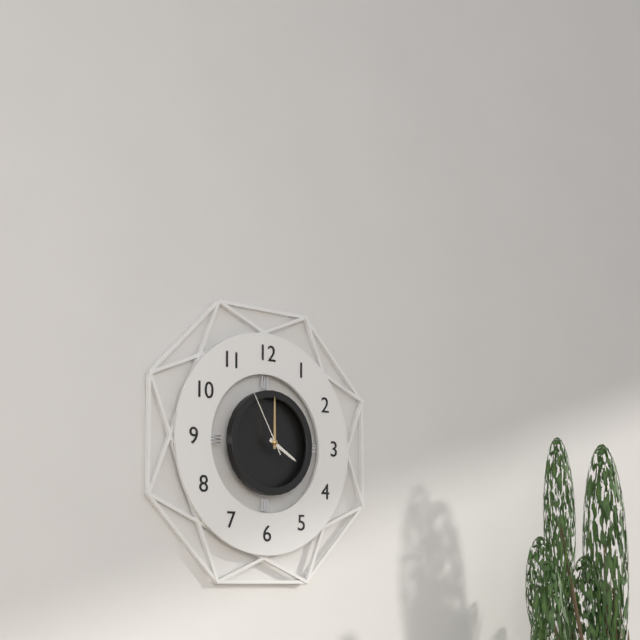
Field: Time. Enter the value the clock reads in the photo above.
4:00:55
